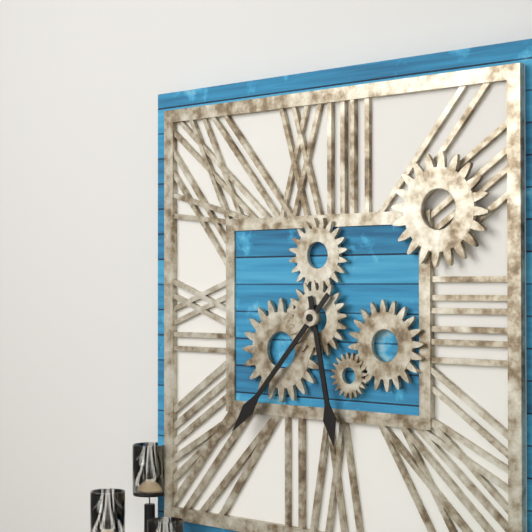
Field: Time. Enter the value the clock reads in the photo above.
5:37
